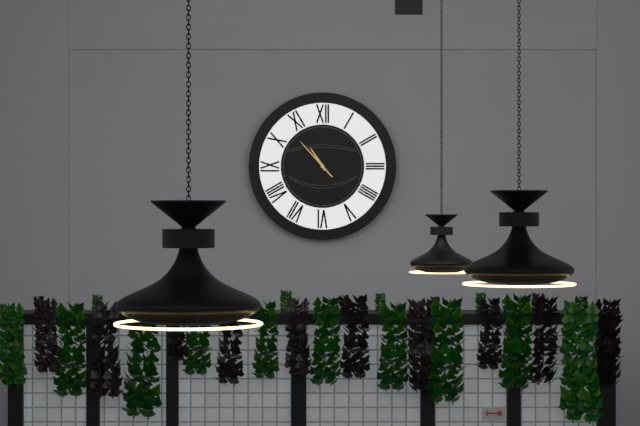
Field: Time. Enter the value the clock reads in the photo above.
10:53
